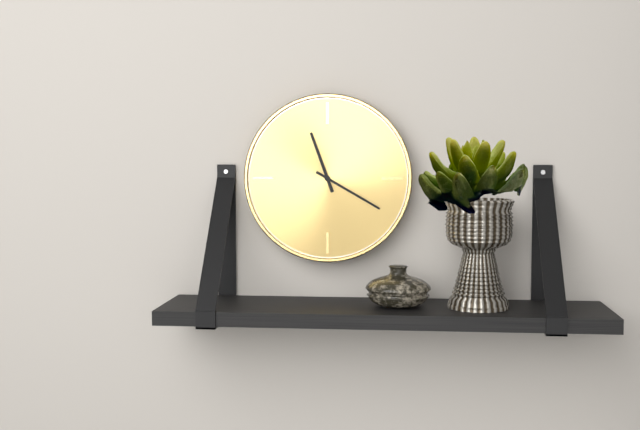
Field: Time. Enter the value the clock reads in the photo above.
11:20
